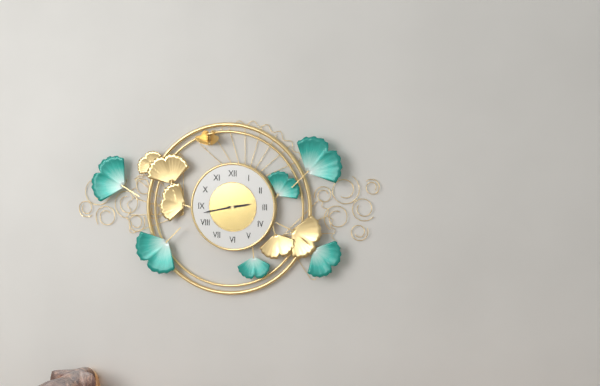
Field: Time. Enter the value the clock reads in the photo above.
2:43
